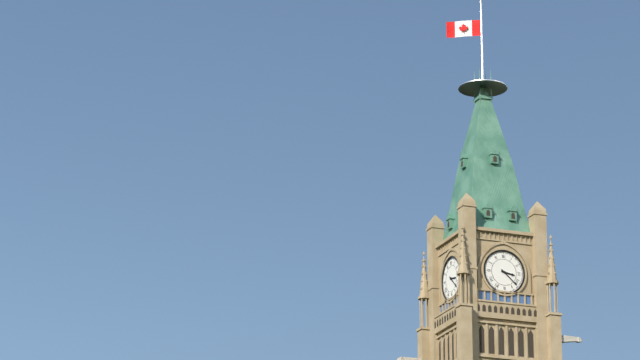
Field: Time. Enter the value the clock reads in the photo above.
3:22
